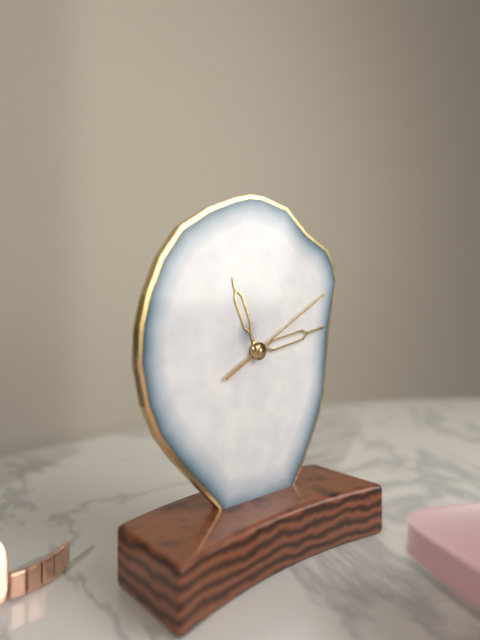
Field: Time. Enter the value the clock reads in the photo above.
11:13:10
